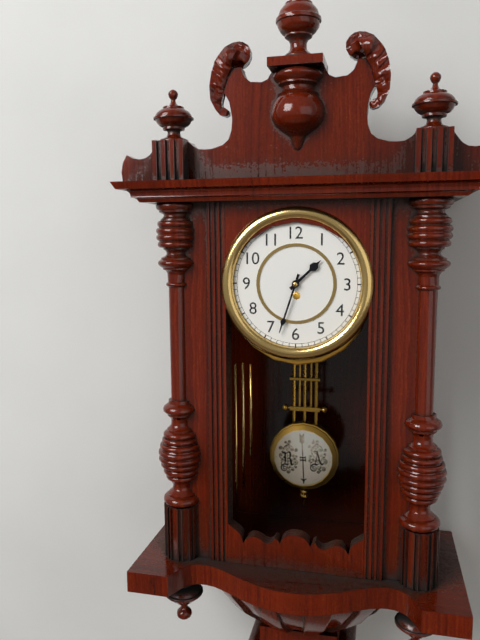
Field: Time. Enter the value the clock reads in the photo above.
1:33
